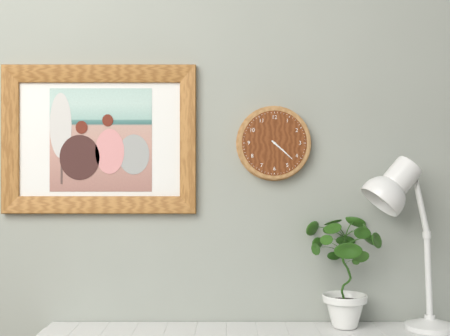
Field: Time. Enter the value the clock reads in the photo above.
4:22
